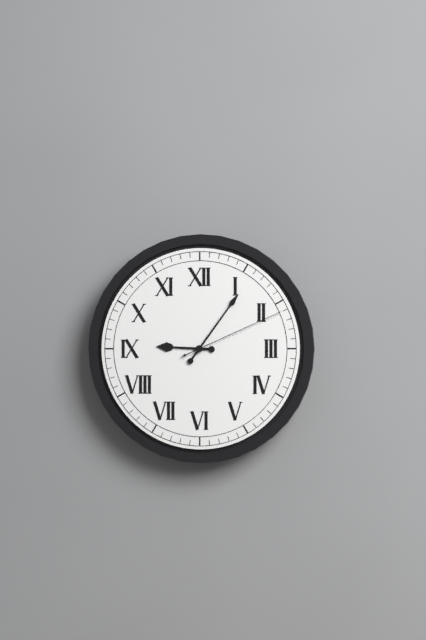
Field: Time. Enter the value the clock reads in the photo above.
9:06:11
